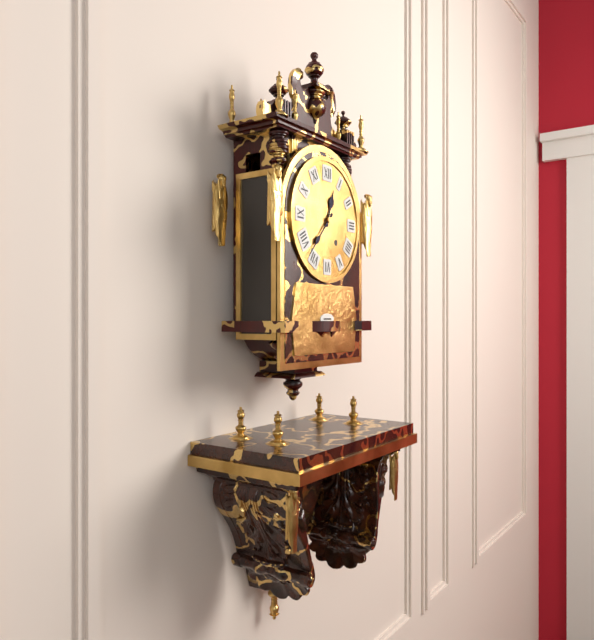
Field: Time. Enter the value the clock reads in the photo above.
12:37
